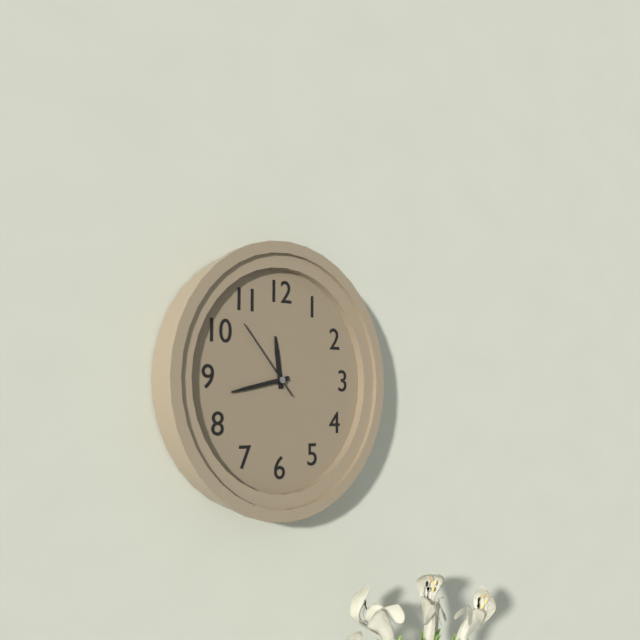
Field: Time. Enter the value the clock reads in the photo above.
11:43:53
